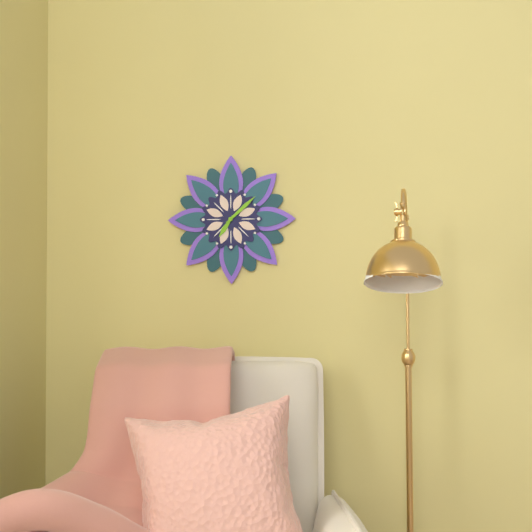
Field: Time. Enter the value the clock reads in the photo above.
7:08
